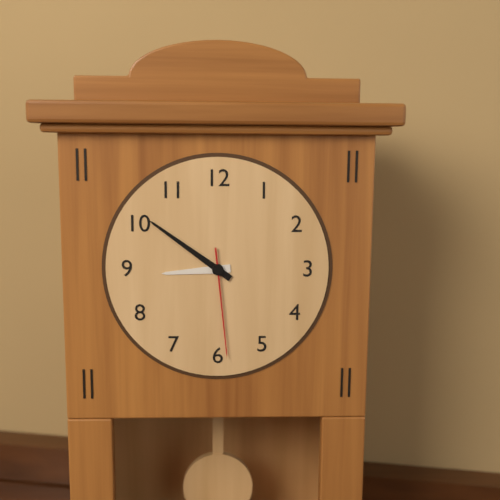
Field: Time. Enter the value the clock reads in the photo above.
8:51:29
